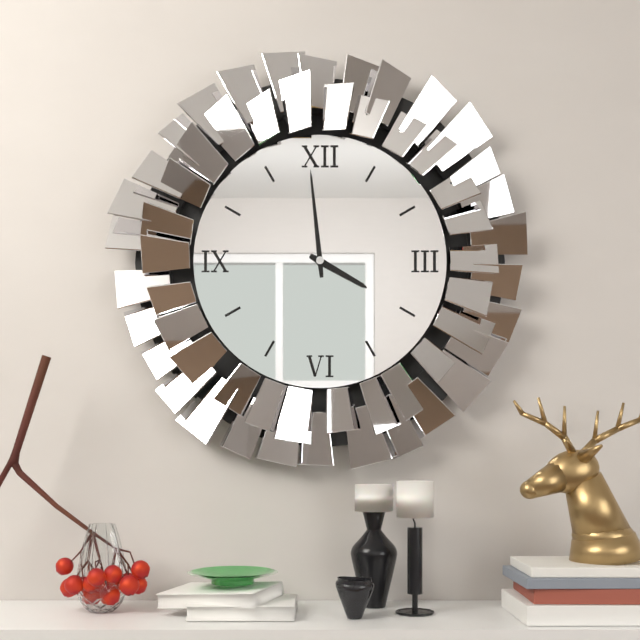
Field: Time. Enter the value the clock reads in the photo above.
3:59
